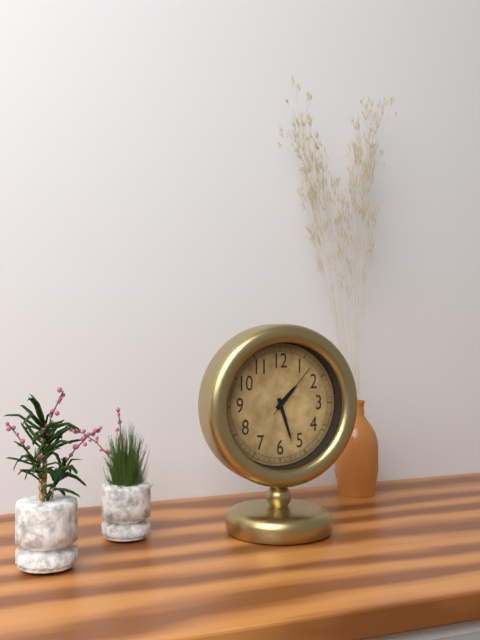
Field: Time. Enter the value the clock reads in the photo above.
1:27:07
